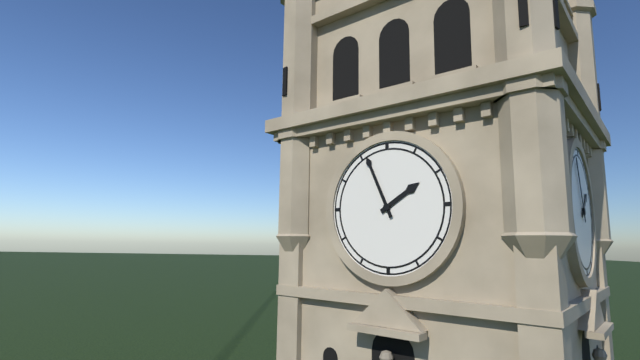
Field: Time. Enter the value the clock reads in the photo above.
1:56
